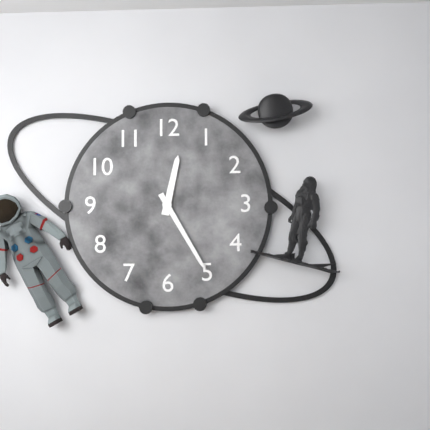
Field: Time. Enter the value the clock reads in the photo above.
12:25
